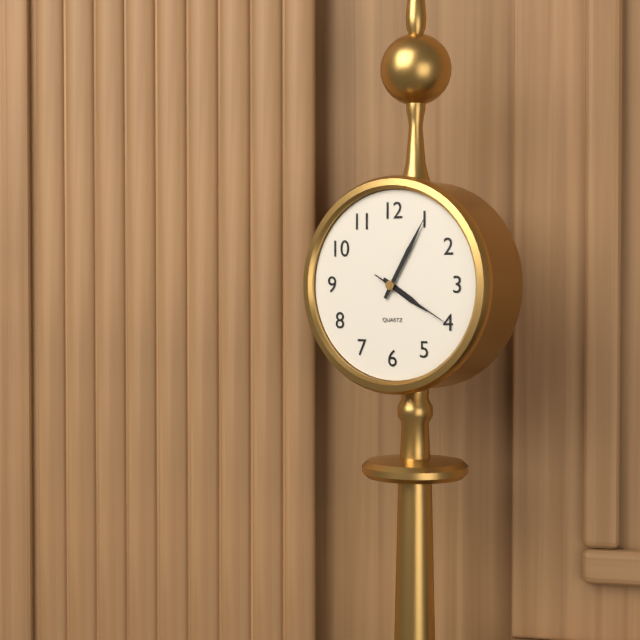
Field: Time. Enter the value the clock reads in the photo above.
4:05:20
